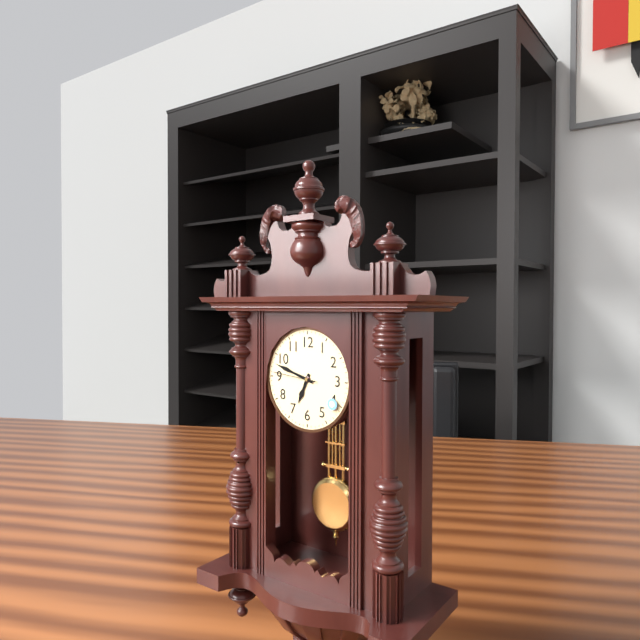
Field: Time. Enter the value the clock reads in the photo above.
6:48
